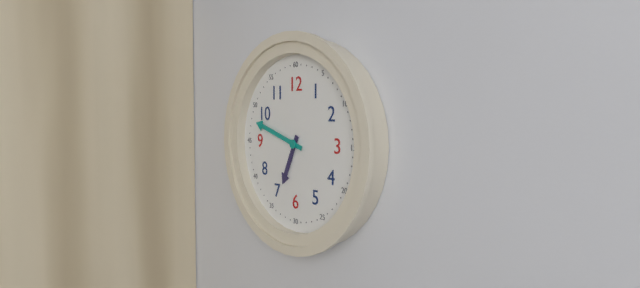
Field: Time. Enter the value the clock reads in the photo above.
6:48
